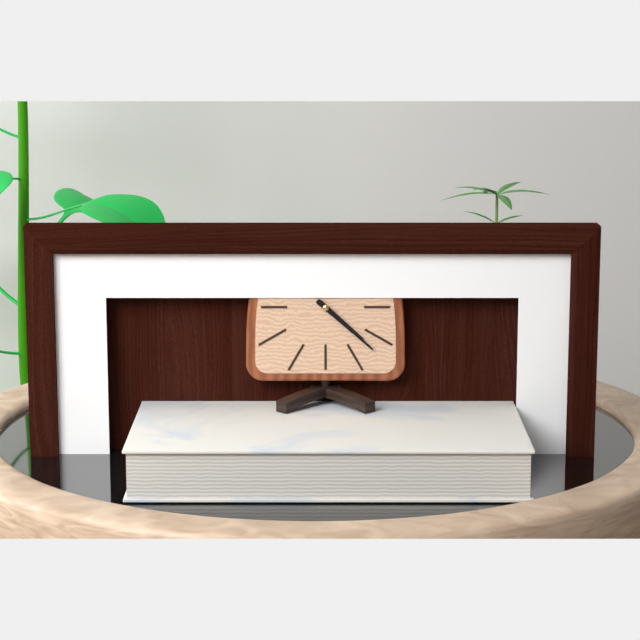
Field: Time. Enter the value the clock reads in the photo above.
4:22
